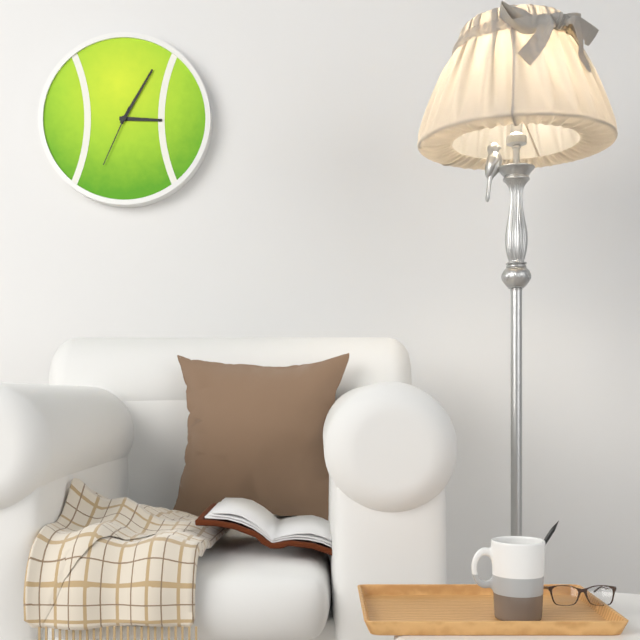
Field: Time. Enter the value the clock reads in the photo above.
3:05:34
